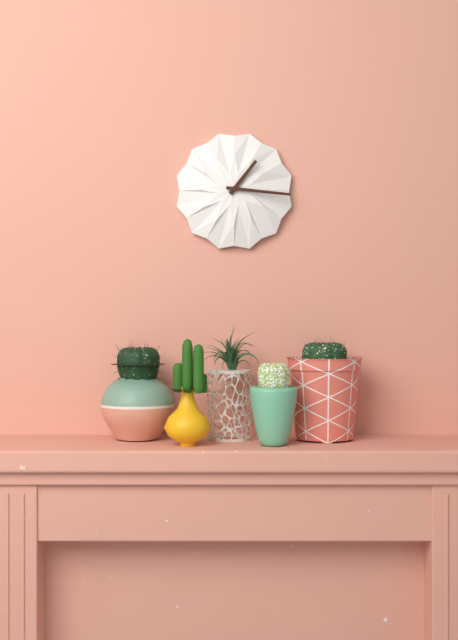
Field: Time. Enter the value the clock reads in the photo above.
1:16
